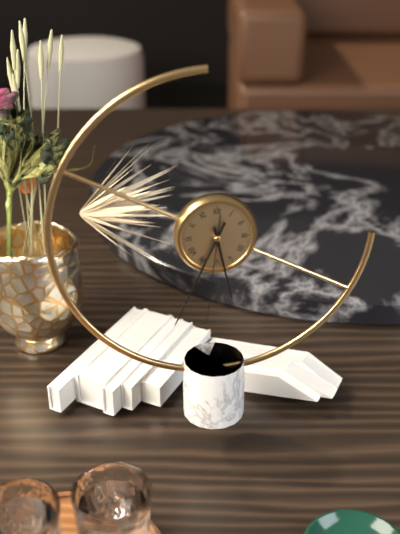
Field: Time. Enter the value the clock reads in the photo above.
5:34:31
